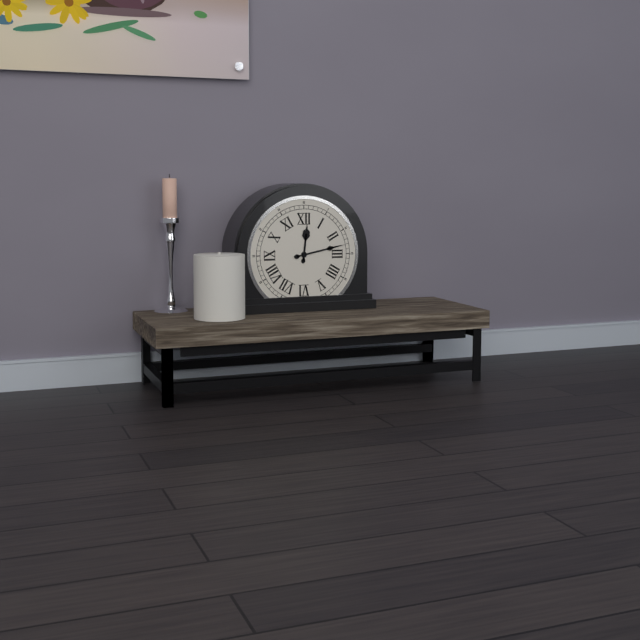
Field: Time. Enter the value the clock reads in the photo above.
12:13
